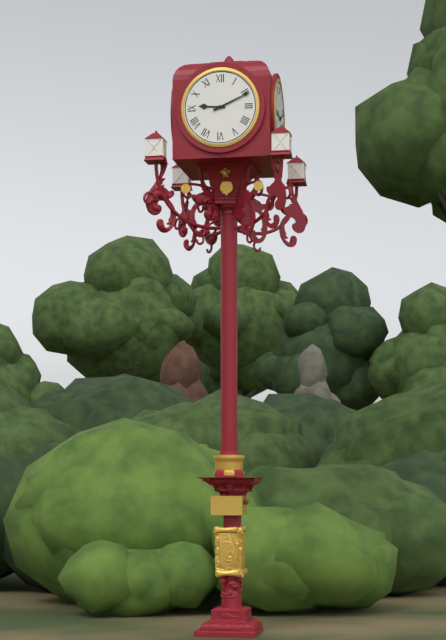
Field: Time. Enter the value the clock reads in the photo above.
9:11
